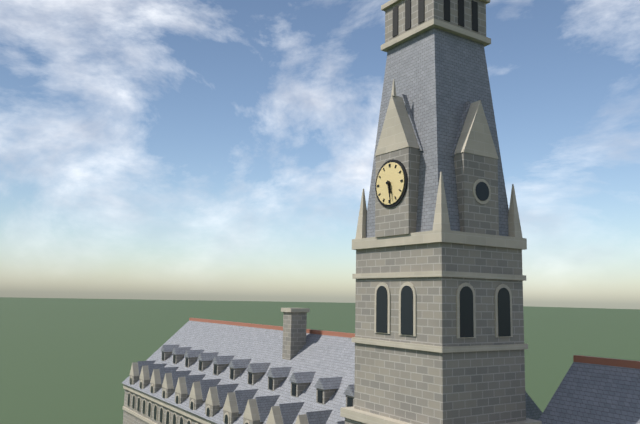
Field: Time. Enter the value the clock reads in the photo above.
5:28
